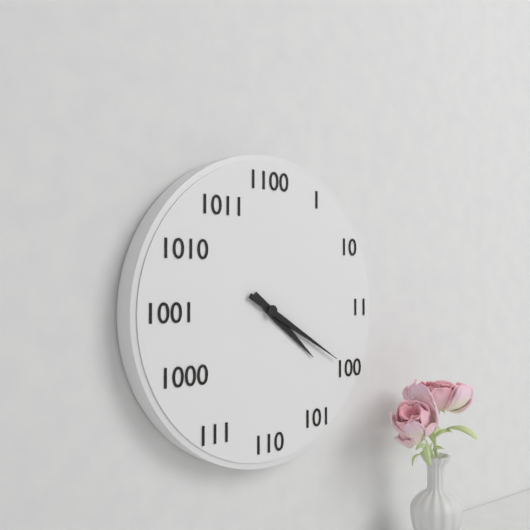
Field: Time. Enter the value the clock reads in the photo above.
4:20
